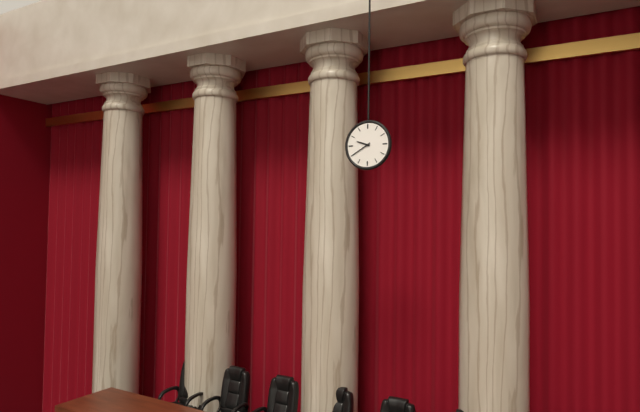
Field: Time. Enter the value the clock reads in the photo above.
9:40
